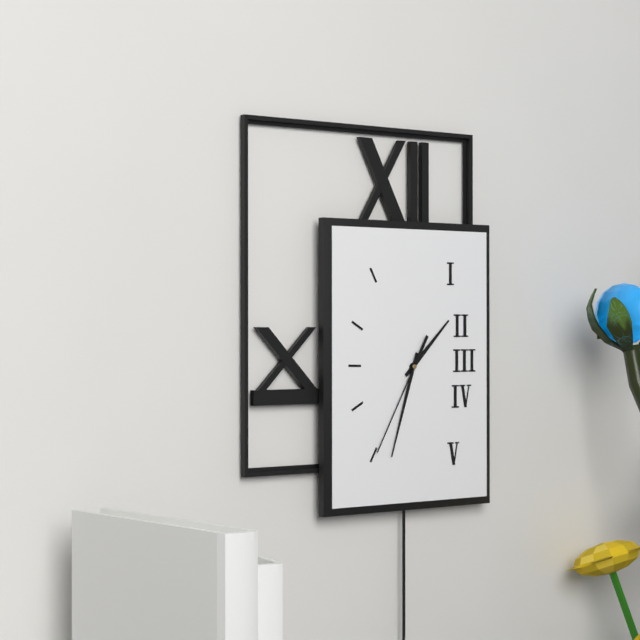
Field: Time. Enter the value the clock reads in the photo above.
1:33:35
